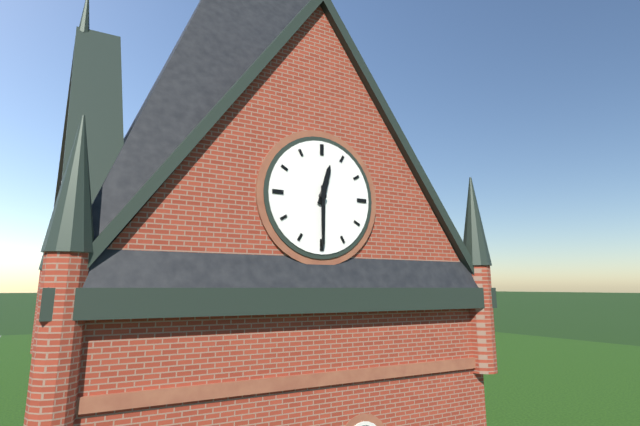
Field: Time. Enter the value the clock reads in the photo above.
12:30
